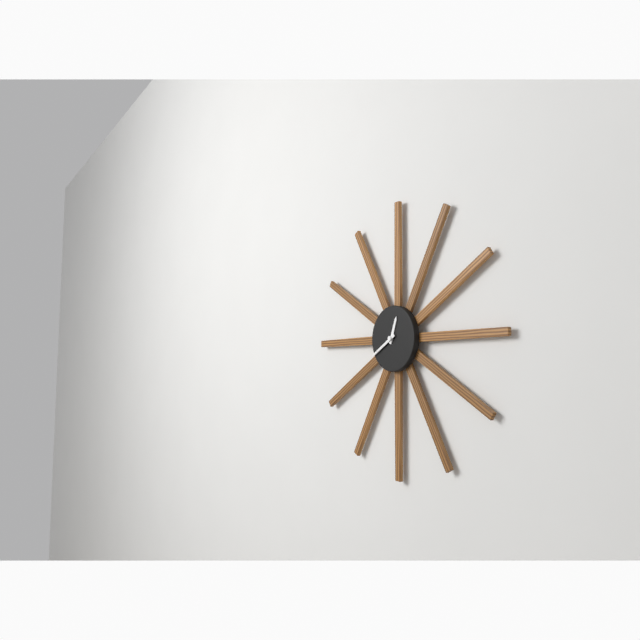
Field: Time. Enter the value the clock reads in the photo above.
12:40
